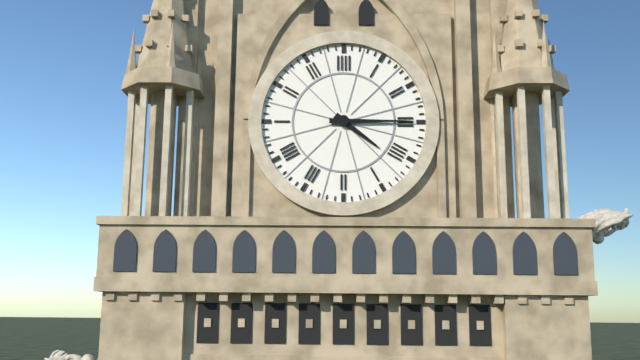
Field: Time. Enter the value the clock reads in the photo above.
4:15
